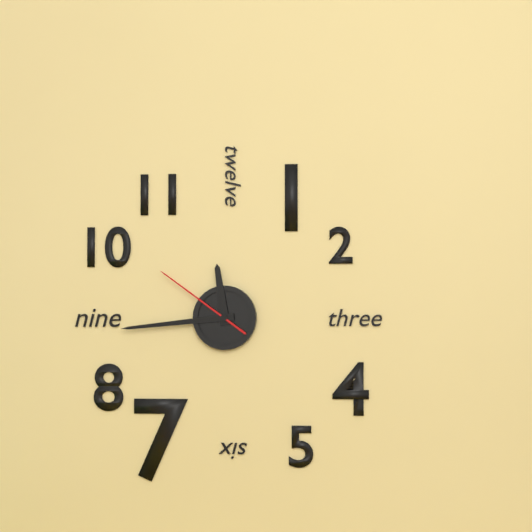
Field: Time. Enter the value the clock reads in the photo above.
11:44:51
